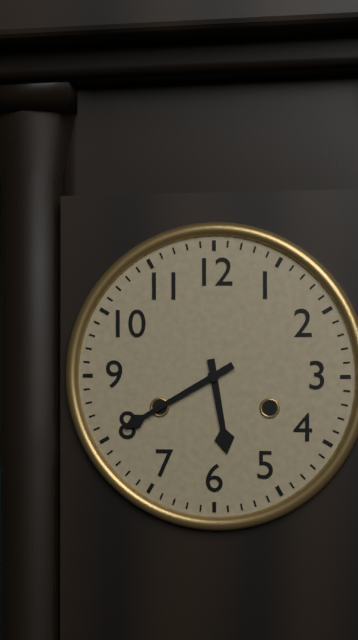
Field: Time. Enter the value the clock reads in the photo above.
5:40
